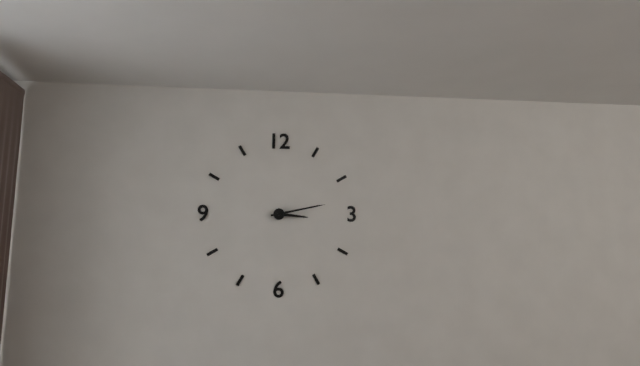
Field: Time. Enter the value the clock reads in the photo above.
3:13
